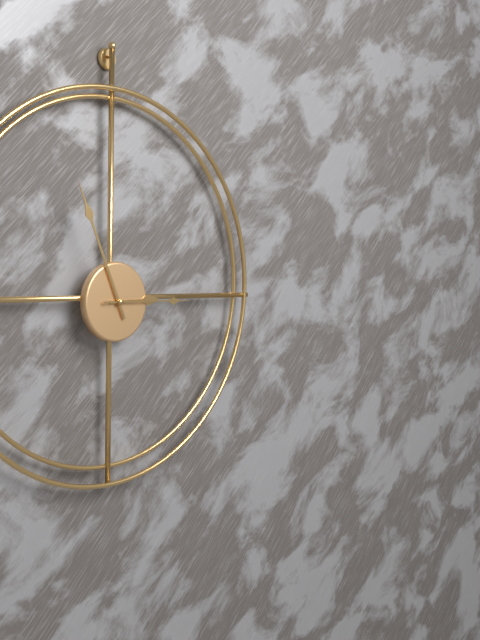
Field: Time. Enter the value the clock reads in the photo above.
2:56:15
